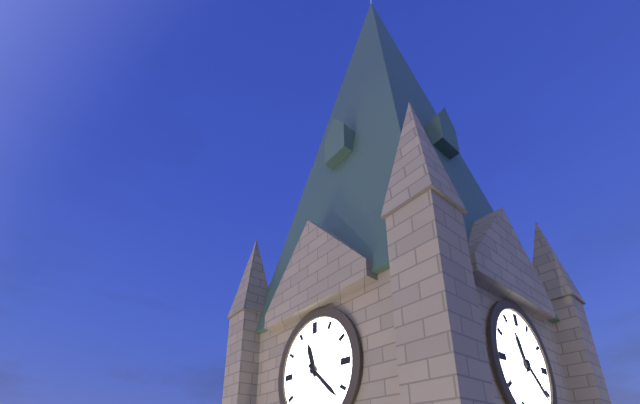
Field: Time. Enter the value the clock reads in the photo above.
11:22
